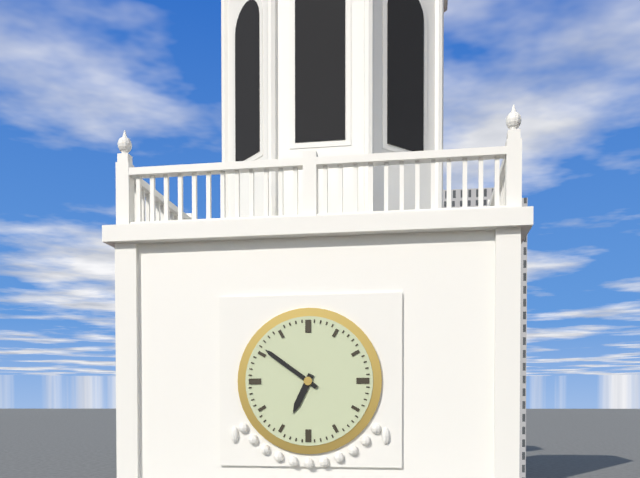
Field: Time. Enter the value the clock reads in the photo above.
6:51
